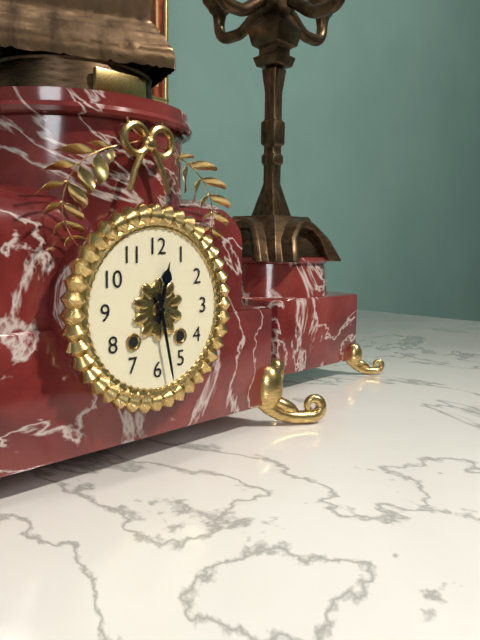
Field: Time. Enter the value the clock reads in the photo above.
12:28
